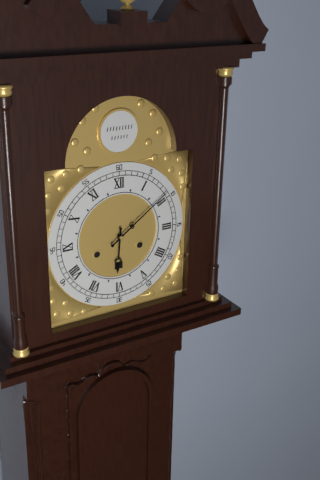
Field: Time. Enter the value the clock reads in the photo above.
6:09
